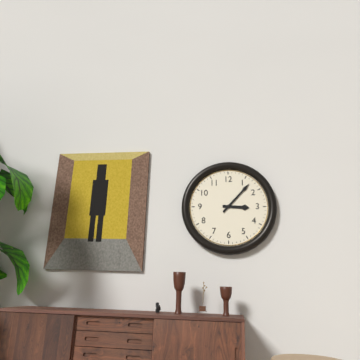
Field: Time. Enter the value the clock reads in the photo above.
3:07
